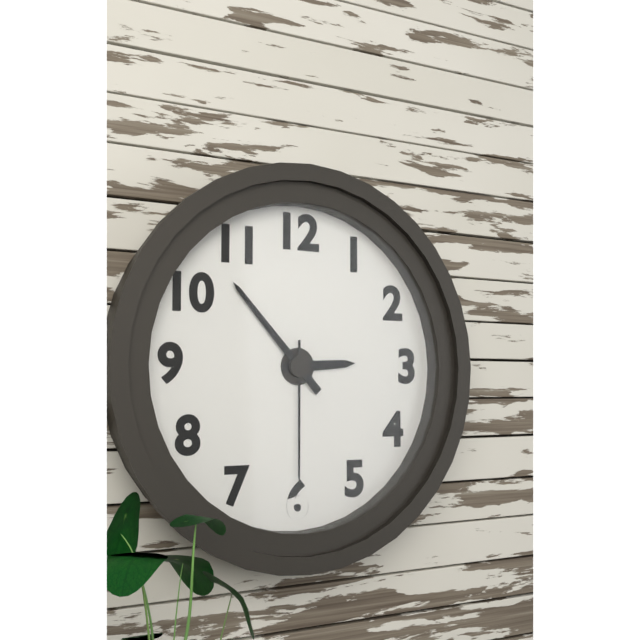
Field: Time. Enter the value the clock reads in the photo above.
2:53:30
